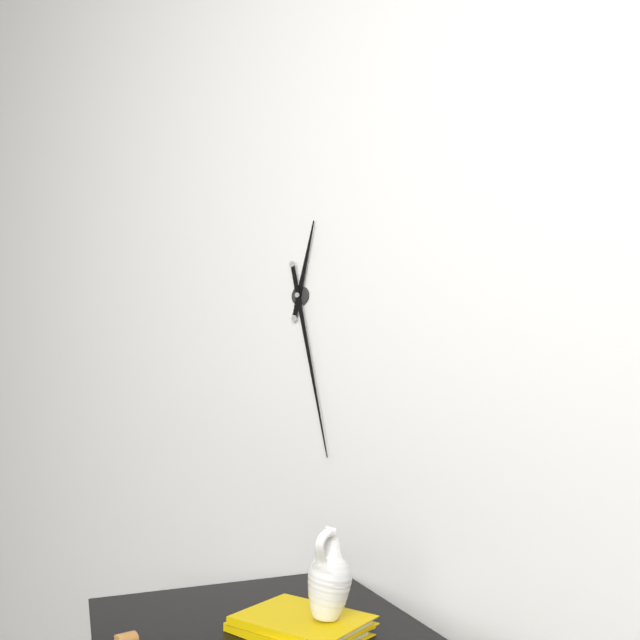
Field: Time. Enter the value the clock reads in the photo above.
12:28
